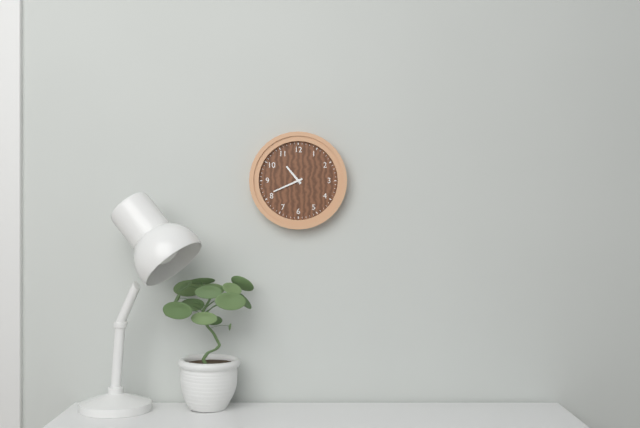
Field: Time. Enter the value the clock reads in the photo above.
10:41
